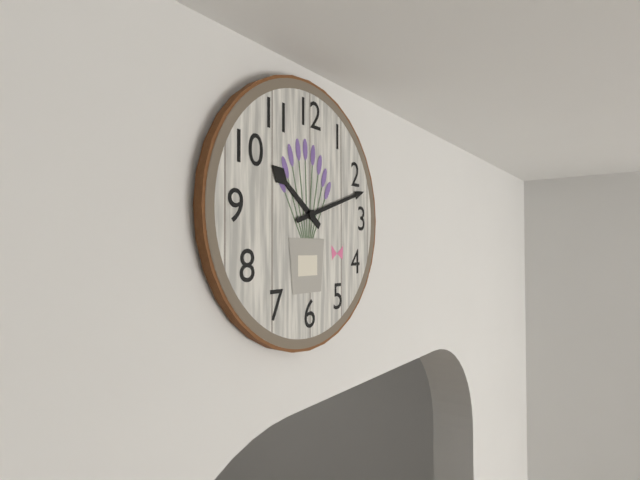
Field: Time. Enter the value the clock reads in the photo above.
10:12
